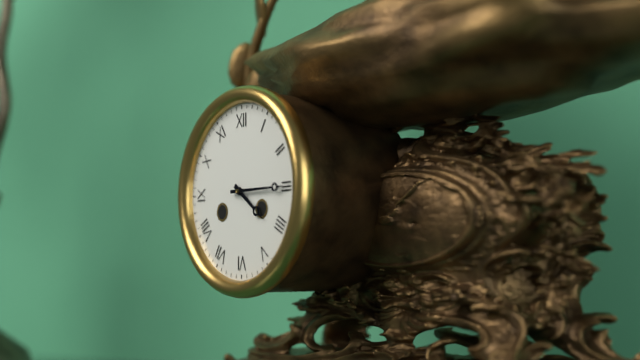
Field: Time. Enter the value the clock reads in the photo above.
4:15
